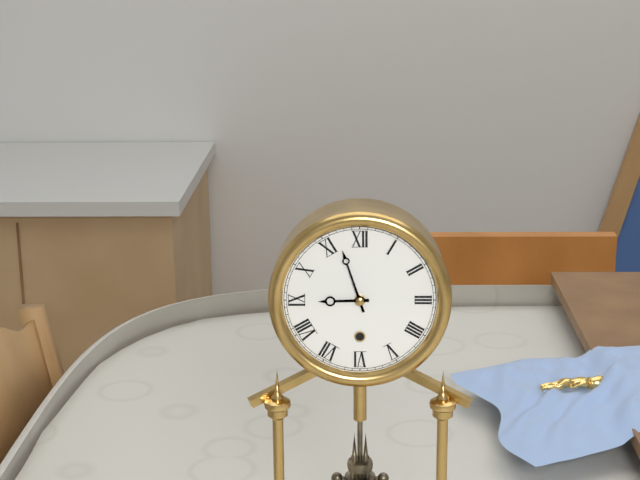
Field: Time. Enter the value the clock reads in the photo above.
8:57
